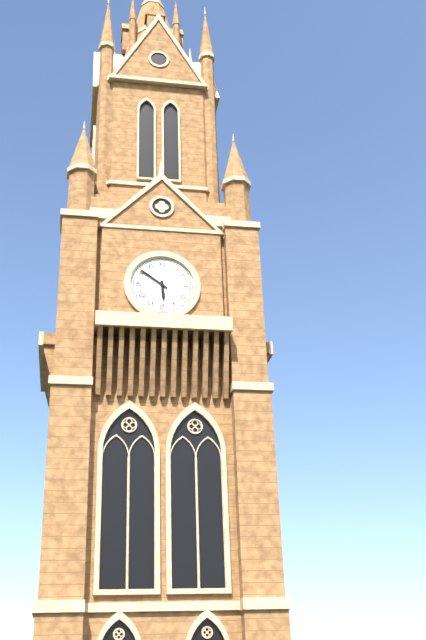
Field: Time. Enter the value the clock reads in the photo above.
5:51
